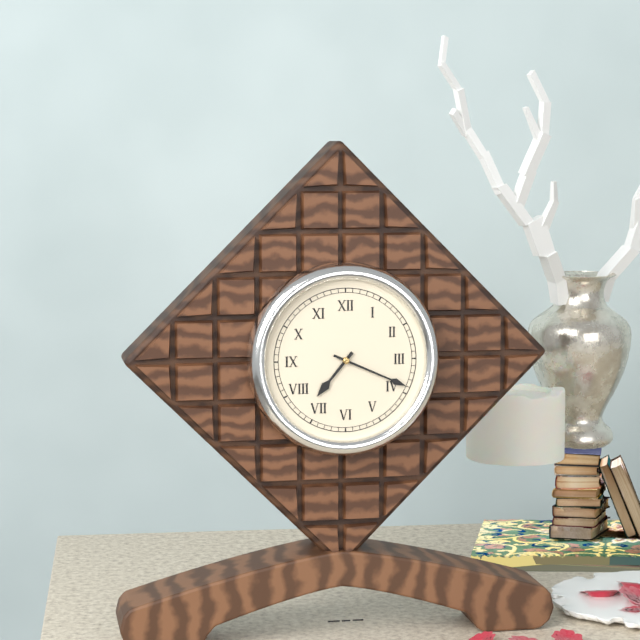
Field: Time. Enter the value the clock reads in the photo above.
7:19
